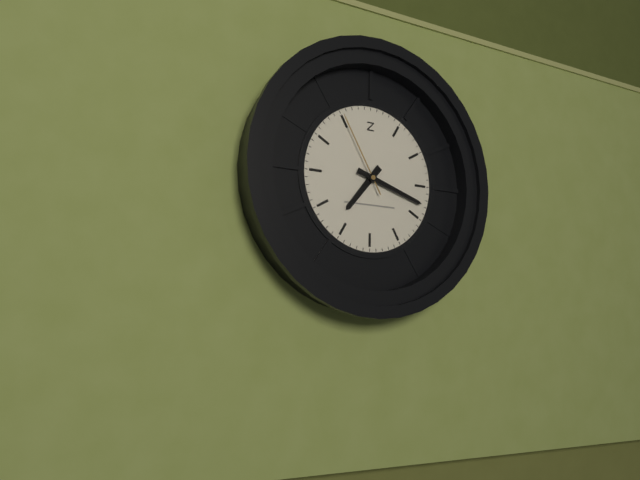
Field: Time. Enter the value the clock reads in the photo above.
7:18:55
